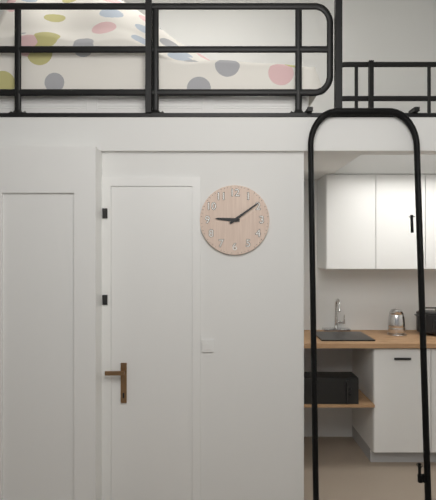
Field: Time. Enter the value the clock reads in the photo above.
9:09
